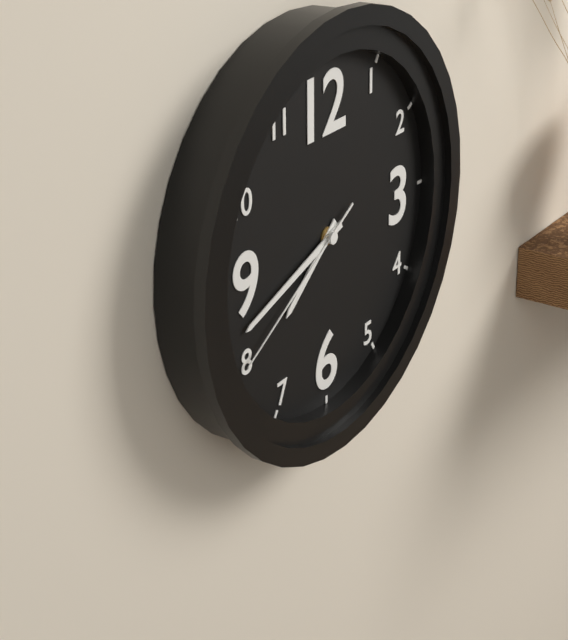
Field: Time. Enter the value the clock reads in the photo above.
7:42:40
